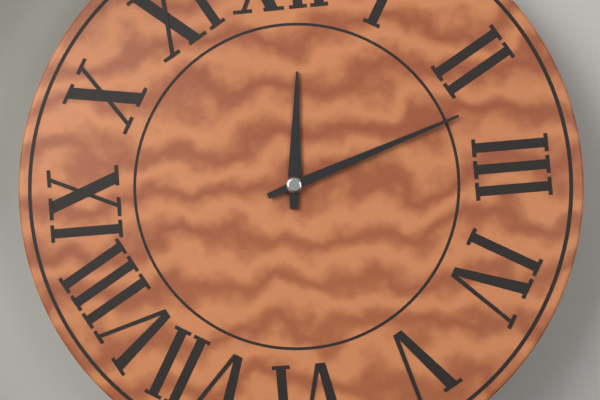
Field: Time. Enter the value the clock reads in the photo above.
12:12
